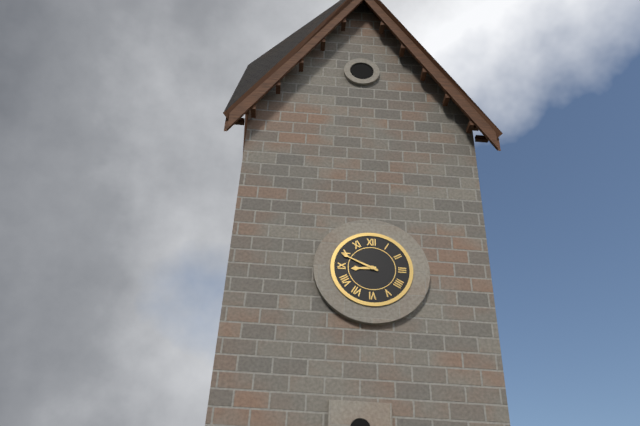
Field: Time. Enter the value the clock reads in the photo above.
8:49
